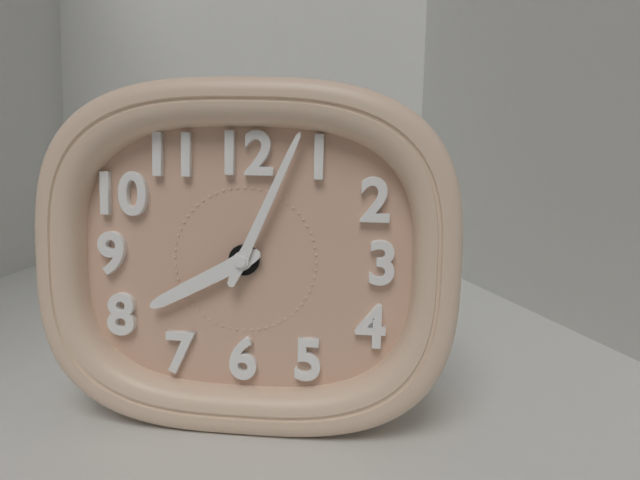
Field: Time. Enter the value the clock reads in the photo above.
8:04
